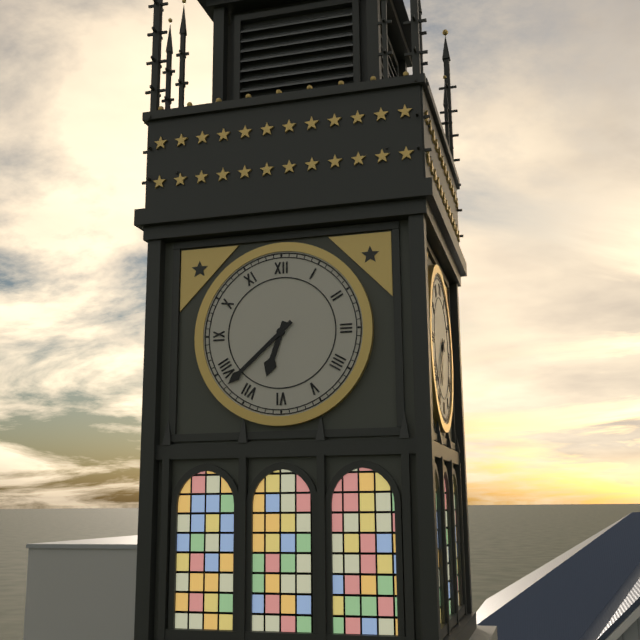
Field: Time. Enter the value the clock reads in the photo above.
6:38
